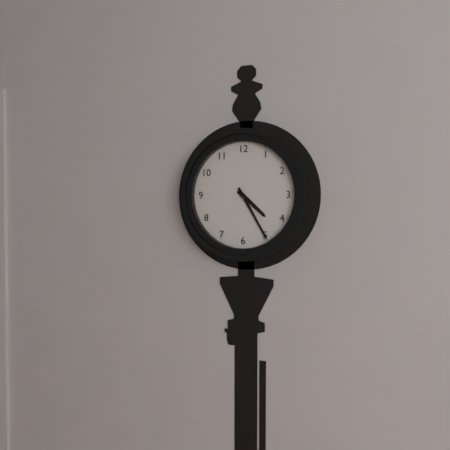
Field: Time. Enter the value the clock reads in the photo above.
4:25
